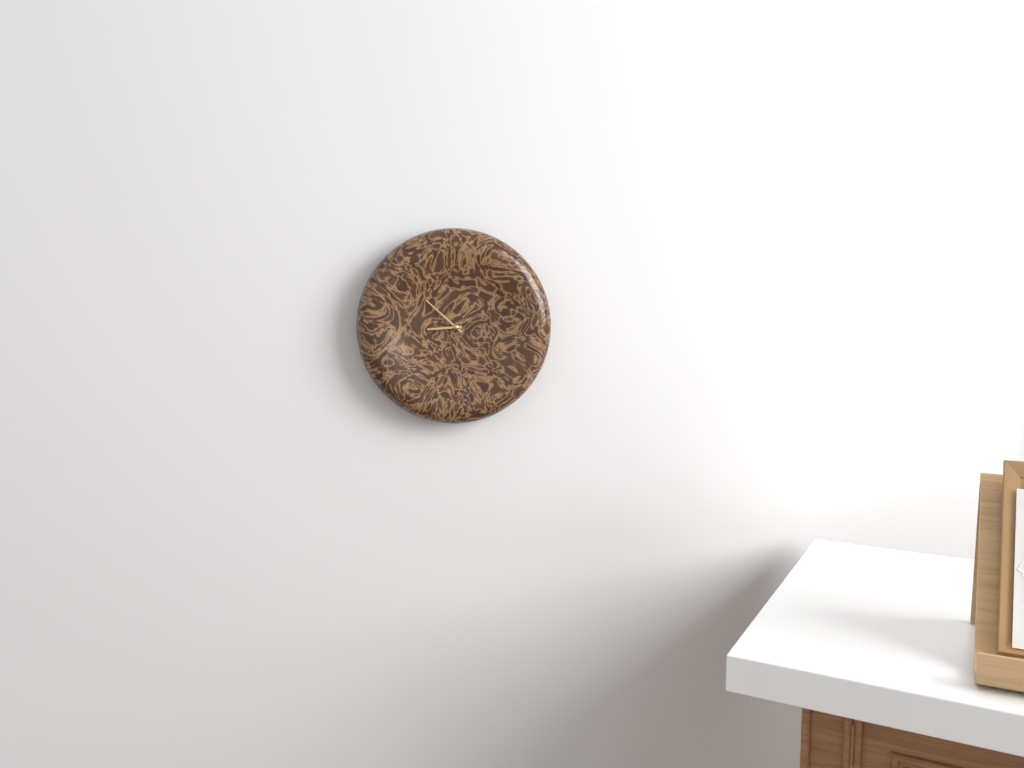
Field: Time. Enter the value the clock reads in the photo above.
8:52
